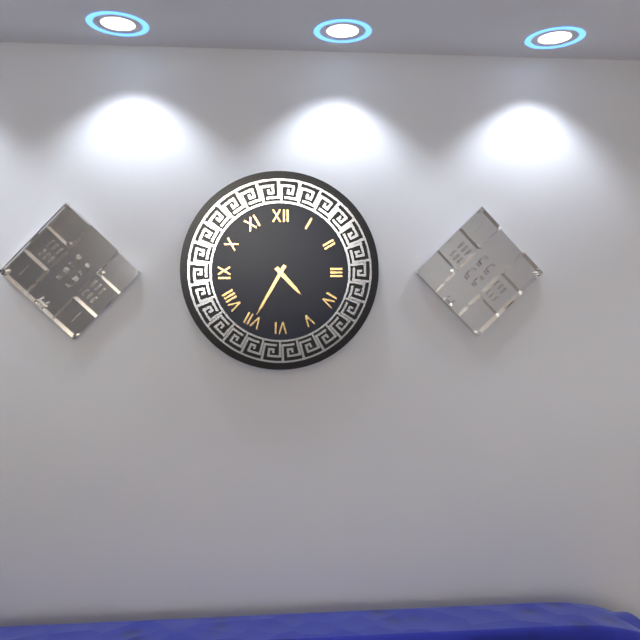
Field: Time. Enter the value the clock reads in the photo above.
4:35
